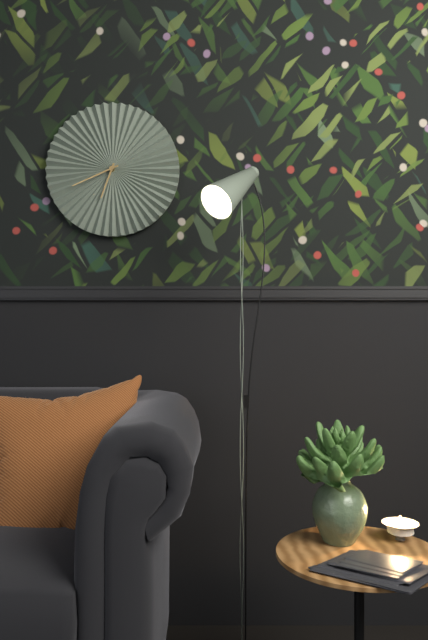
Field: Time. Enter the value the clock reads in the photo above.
6:41
